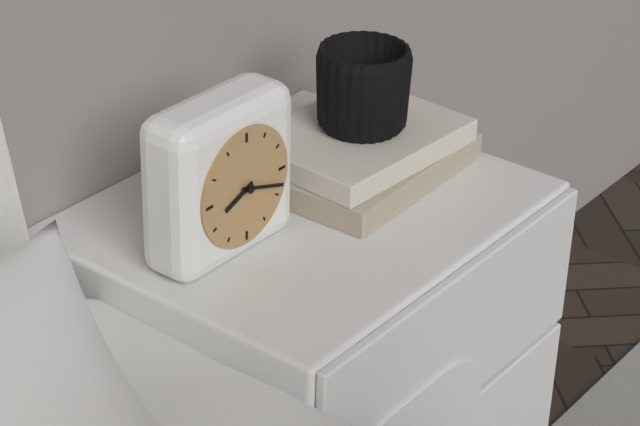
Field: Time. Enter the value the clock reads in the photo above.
8:18
